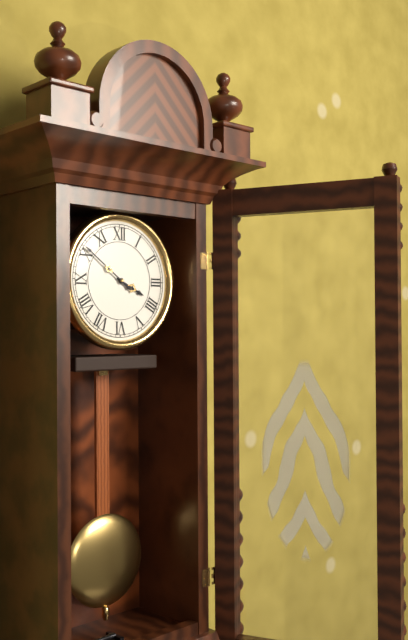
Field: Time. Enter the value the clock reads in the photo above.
3:51
